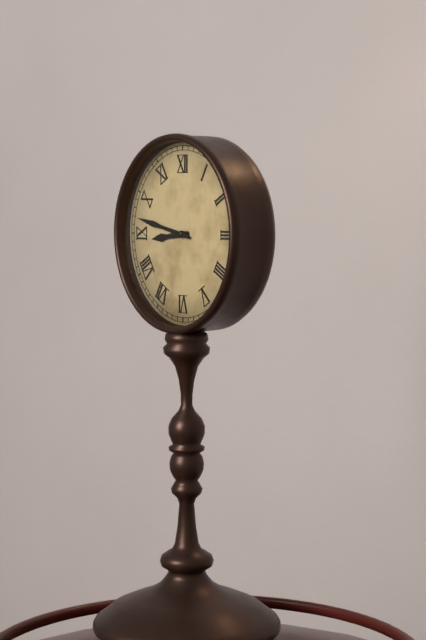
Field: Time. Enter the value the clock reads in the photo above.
8:47
